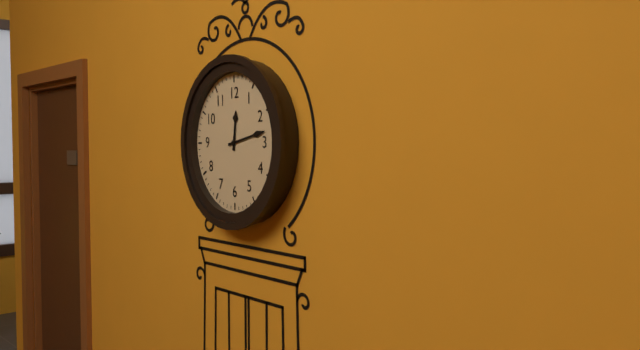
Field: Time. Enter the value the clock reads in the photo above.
12:13
